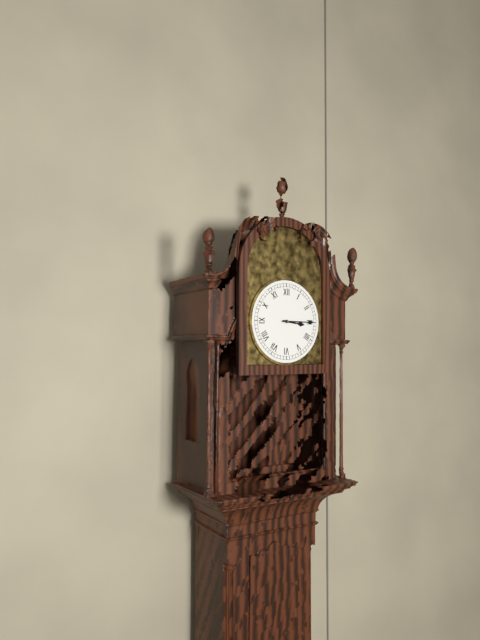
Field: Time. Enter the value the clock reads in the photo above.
3:15
